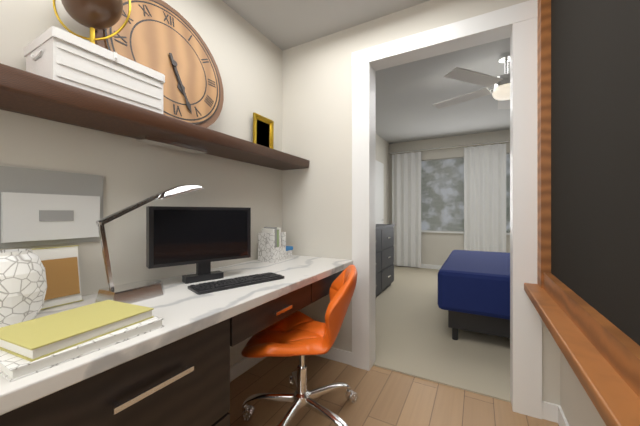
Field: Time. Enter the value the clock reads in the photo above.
5:27
